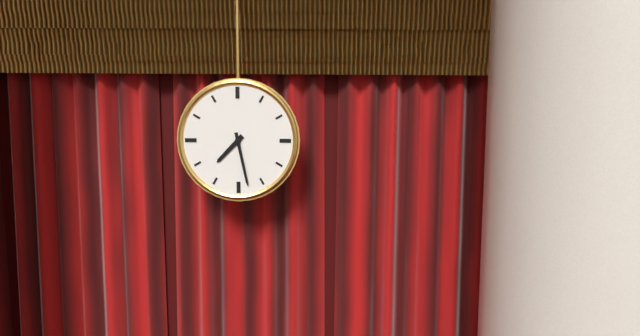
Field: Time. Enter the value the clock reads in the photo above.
7:28
